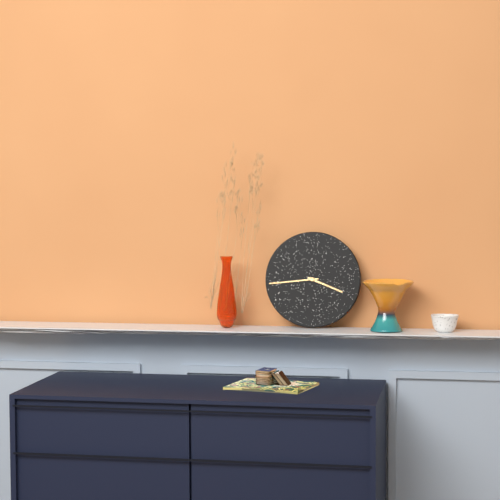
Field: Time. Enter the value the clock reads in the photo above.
3:44
